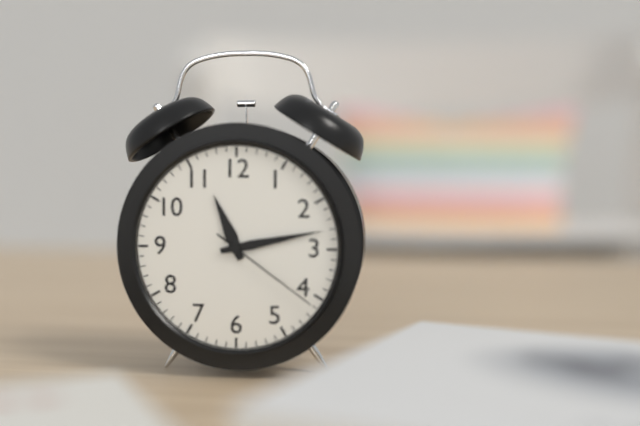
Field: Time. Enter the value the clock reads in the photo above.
11:13:21
